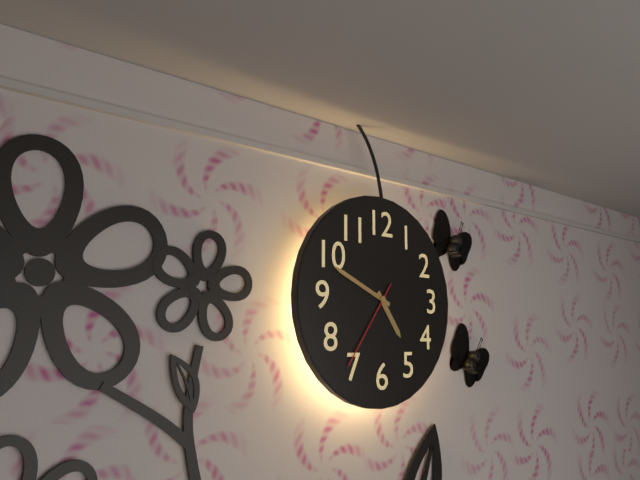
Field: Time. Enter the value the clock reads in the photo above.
4:49:36
